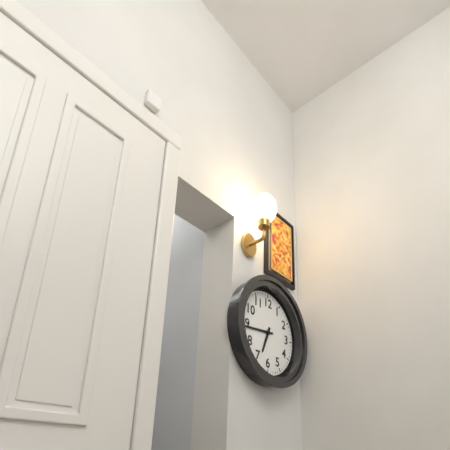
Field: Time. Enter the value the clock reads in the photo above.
6:44
